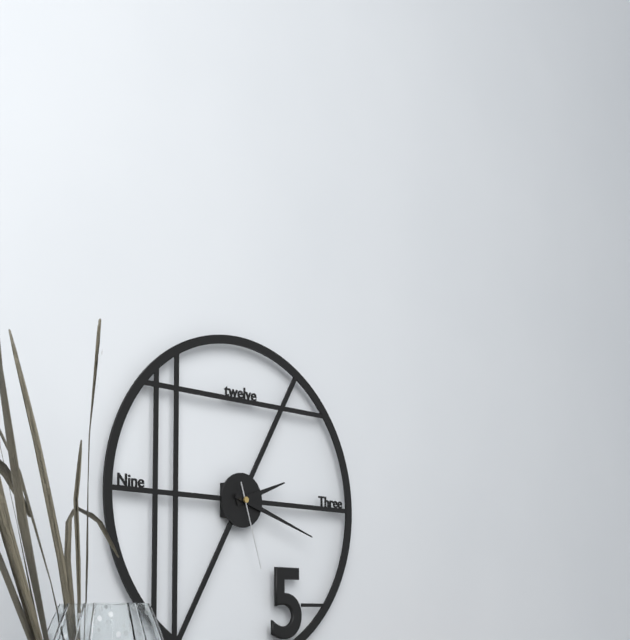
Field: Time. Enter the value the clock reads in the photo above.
2:18:27
